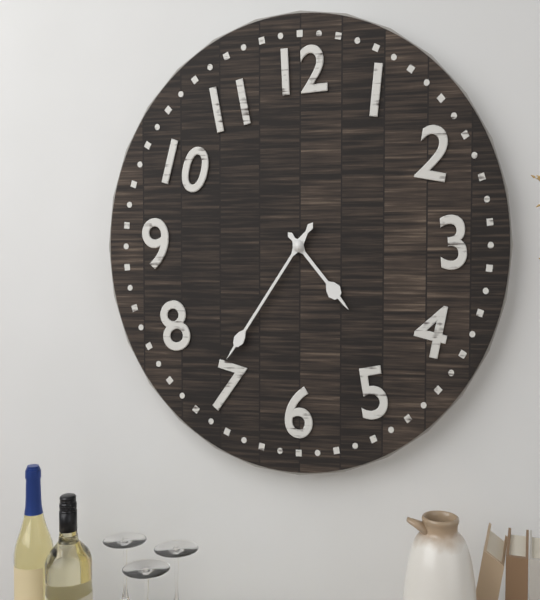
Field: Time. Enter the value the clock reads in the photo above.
4:36
